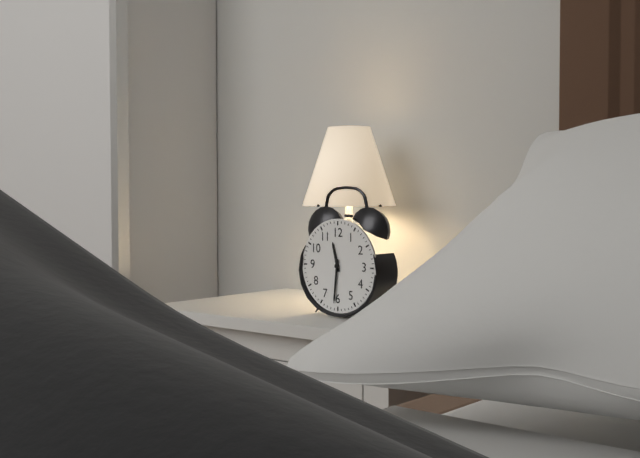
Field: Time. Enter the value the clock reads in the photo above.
11:31
